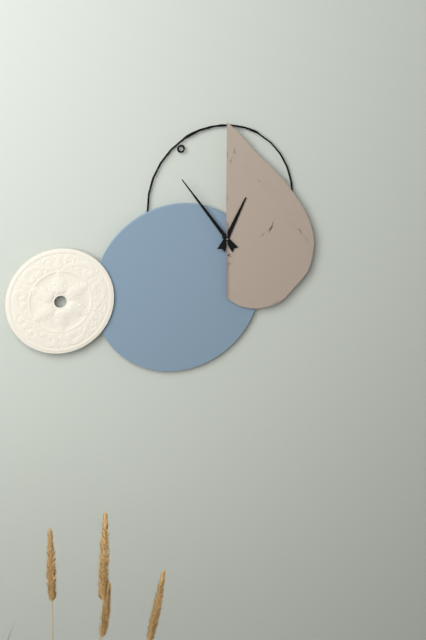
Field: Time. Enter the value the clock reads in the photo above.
12:54:30
